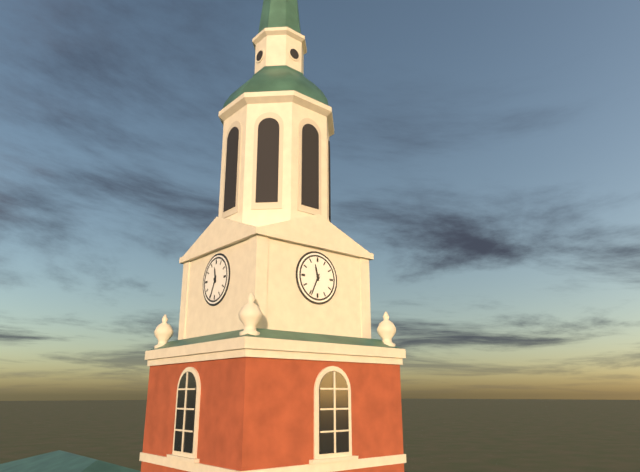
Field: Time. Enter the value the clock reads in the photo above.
11:34
